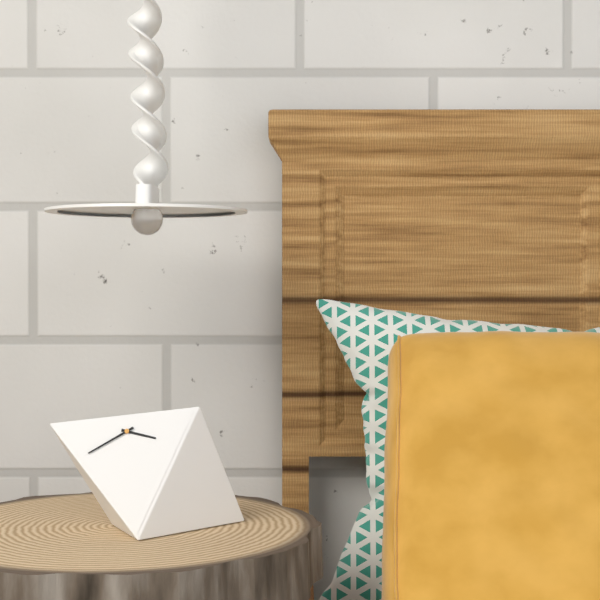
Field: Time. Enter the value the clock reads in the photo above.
3:41
